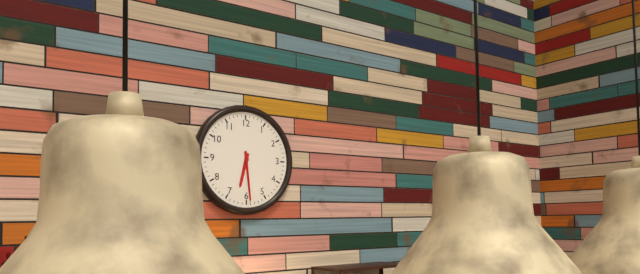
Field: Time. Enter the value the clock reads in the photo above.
6:29
